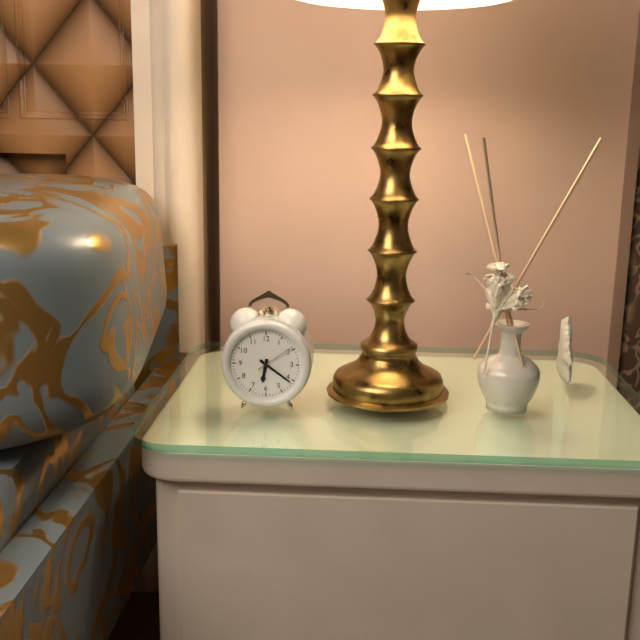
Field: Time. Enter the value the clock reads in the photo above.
6:21
